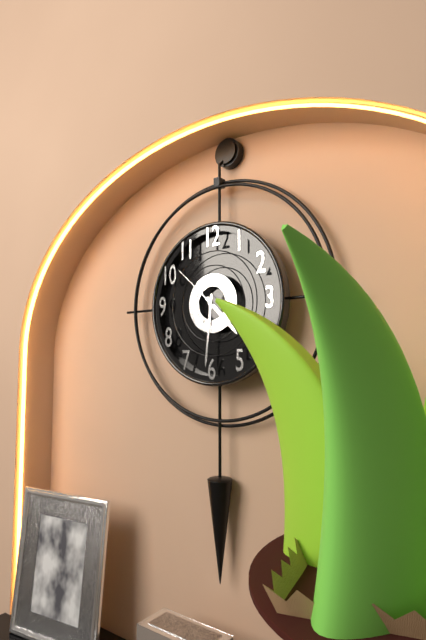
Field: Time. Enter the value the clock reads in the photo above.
4:31:52
